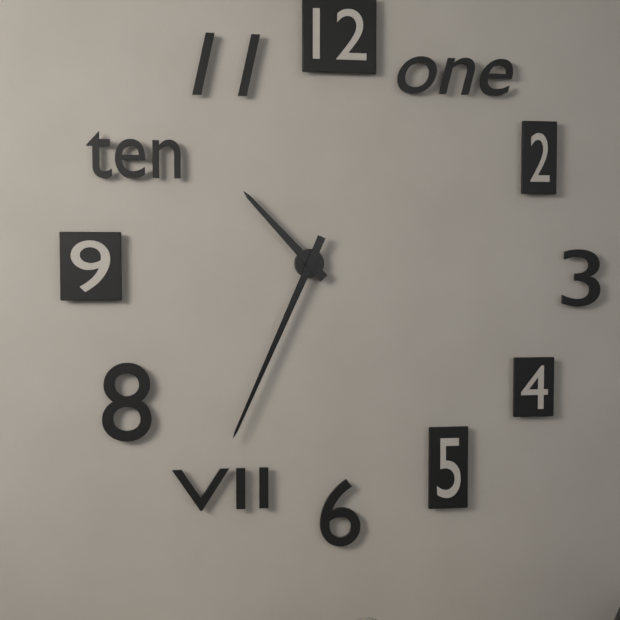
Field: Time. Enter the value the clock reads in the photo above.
10:34
